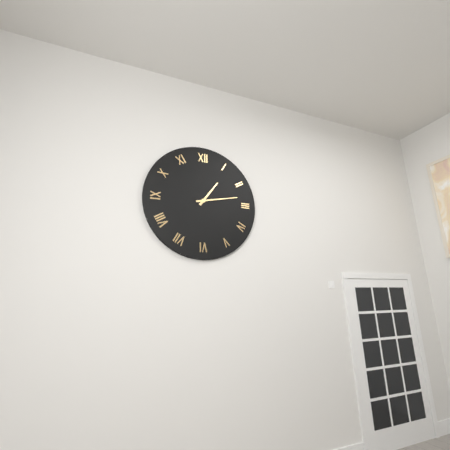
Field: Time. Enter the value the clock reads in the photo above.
1:13
